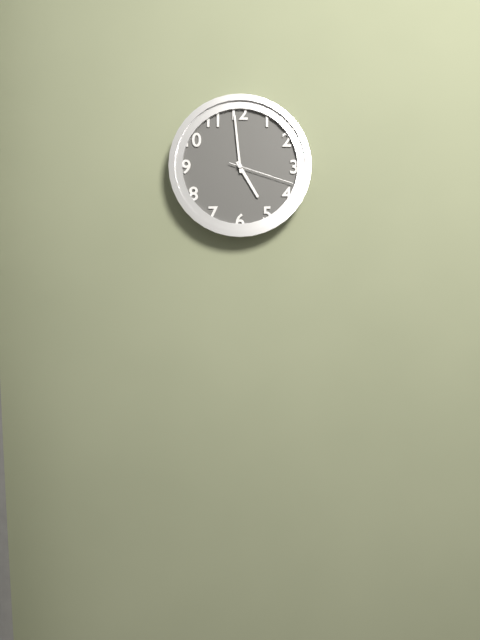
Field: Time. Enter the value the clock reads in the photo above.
4:59:18
